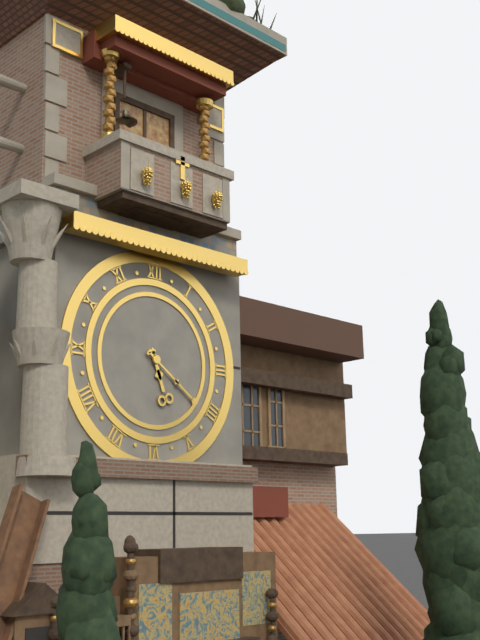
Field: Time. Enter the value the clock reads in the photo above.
5:21
